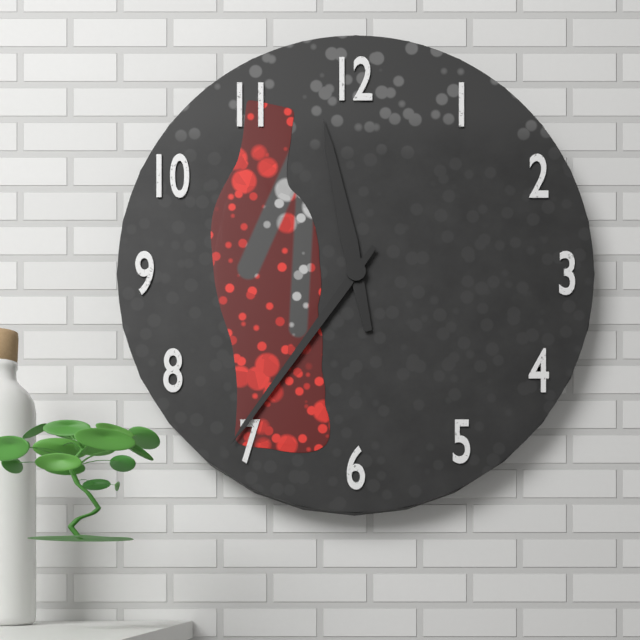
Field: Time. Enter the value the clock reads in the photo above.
11:36
